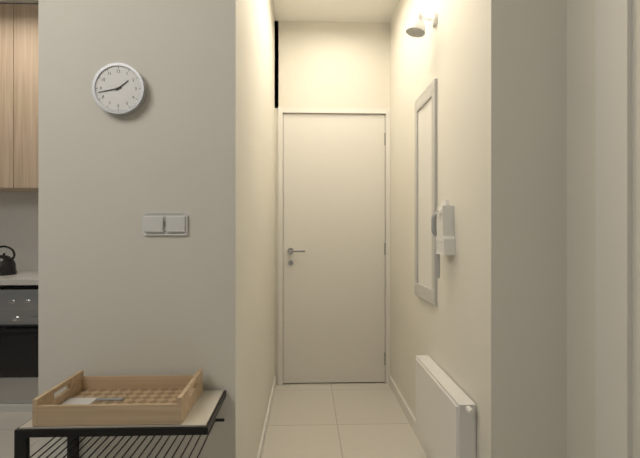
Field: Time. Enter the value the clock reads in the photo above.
1:43
